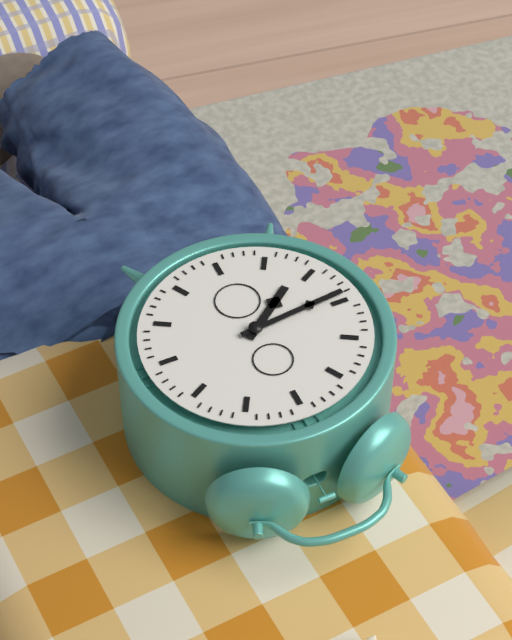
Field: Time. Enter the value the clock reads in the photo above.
7:44
